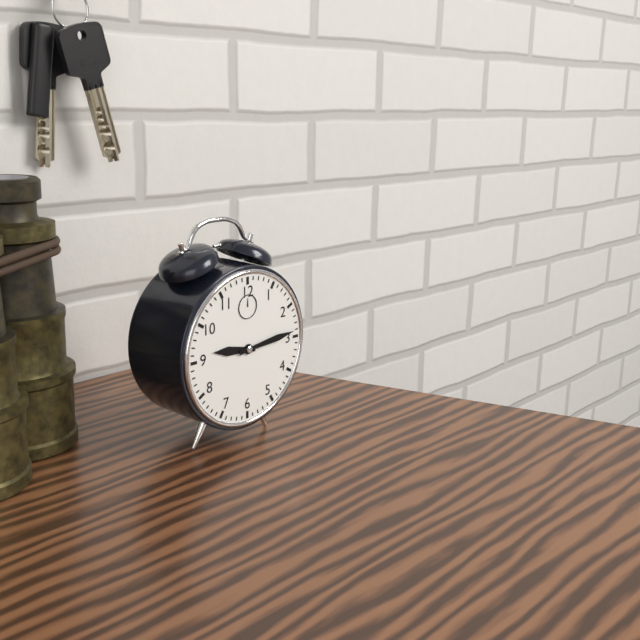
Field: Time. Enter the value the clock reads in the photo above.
9:14
